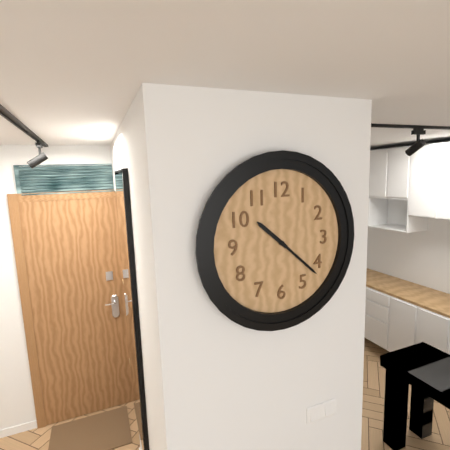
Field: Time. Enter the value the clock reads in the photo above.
10:22
